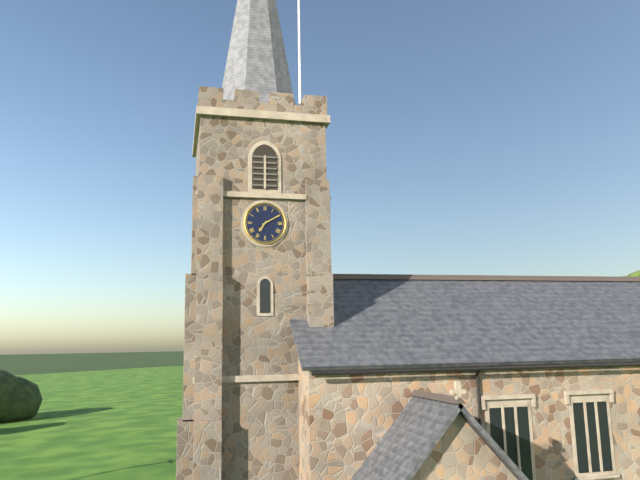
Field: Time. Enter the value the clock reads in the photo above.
7:10
